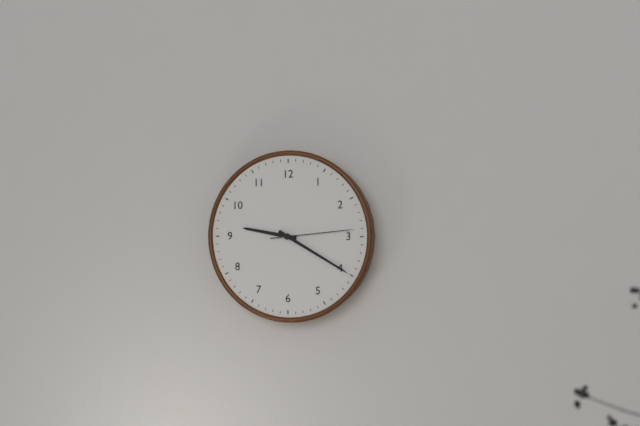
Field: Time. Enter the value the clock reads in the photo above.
9:20:14
